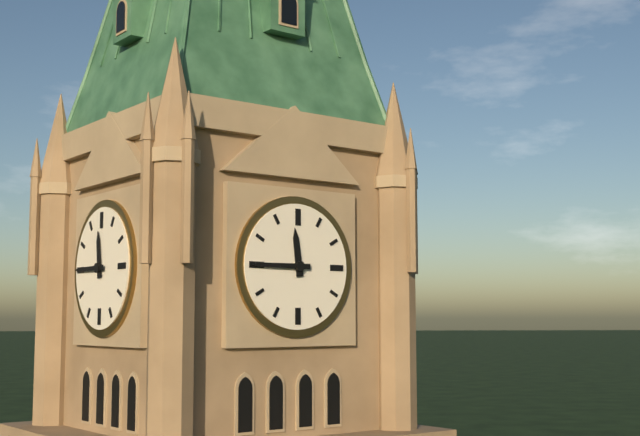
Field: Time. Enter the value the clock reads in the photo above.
11:45
